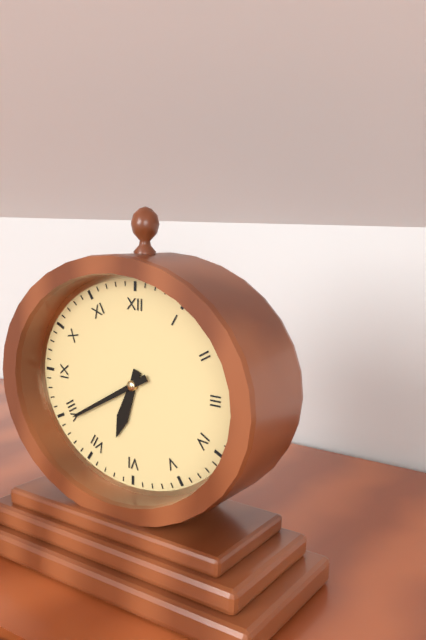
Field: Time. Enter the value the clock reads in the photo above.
6:40
